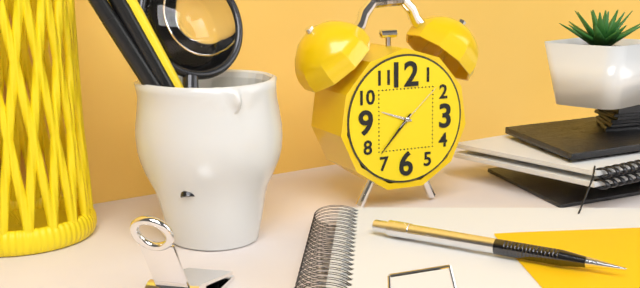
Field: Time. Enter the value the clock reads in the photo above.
9:37:08
